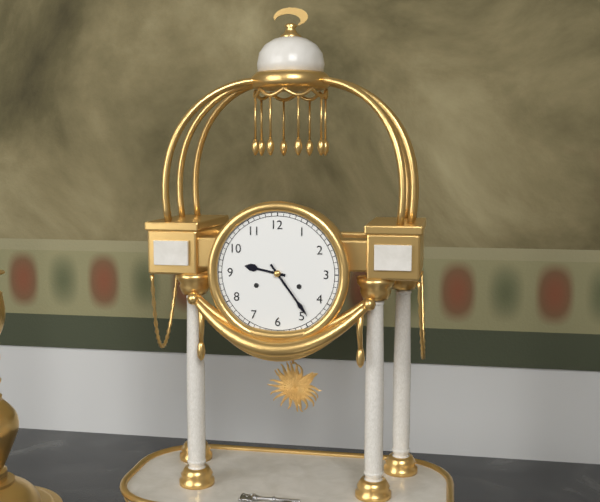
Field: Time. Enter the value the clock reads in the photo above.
9:24
